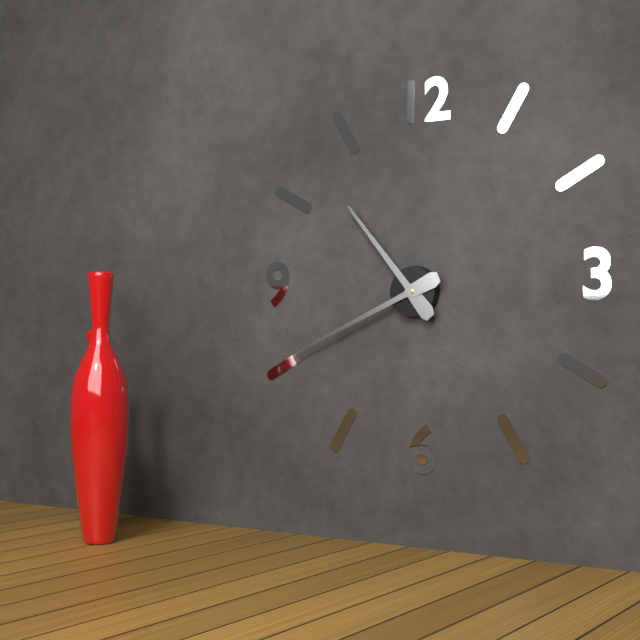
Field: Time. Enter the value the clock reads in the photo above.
10:41
